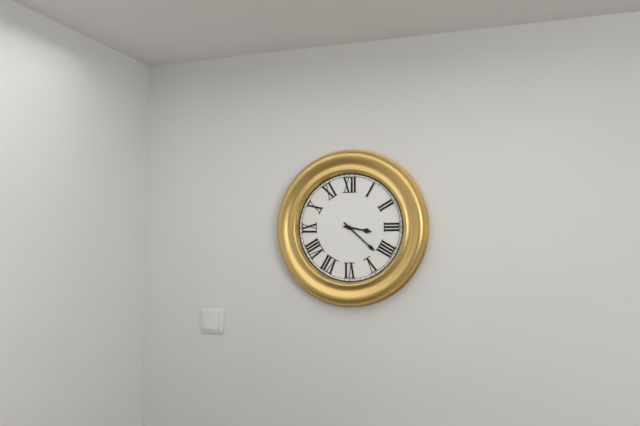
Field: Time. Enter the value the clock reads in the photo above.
3:22
